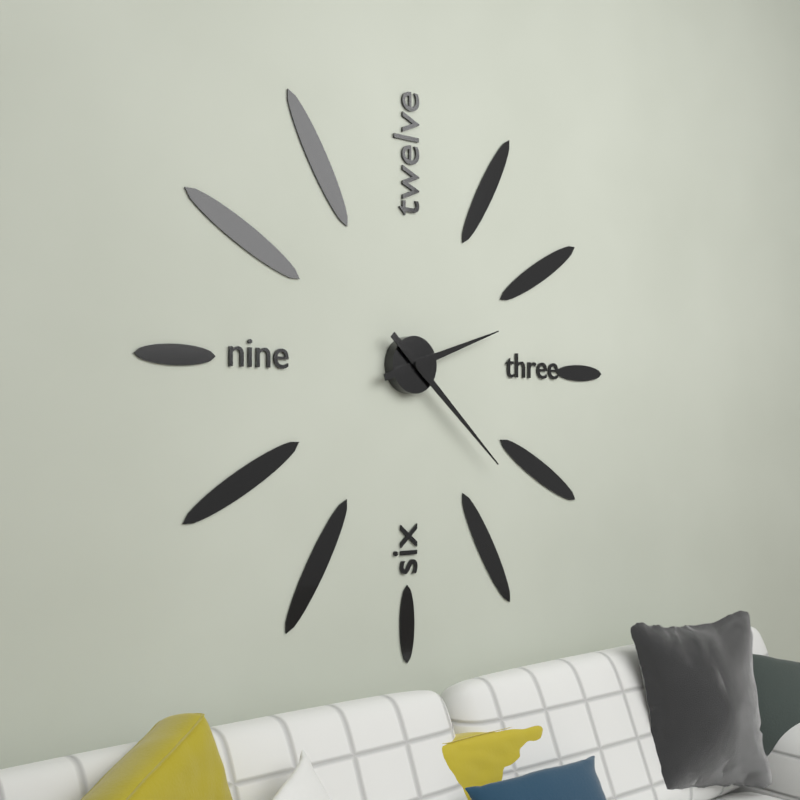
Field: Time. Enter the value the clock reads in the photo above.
2:22
